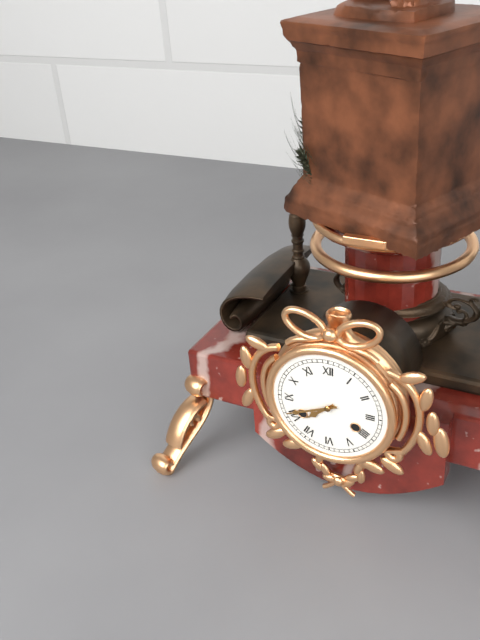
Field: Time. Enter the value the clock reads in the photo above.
7:41
